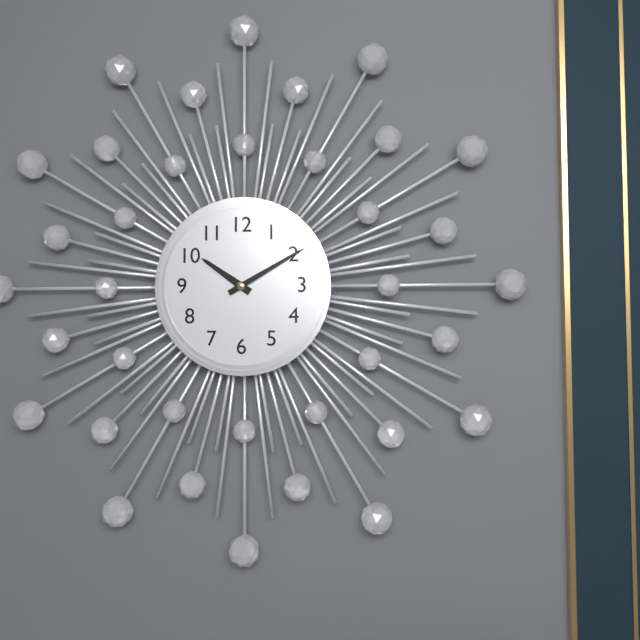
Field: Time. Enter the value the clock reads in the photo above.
10:10
